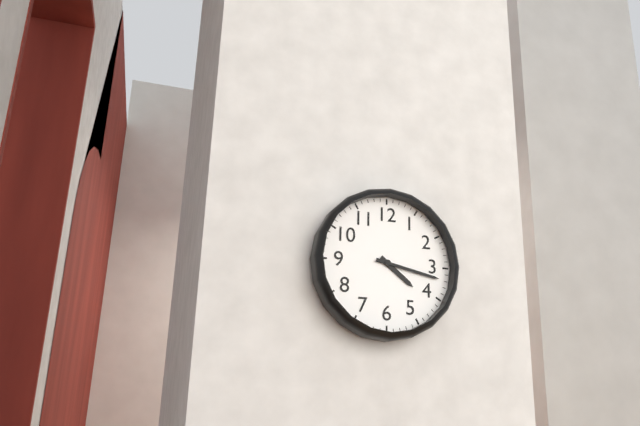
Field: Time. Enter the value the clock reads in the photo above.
4:17
